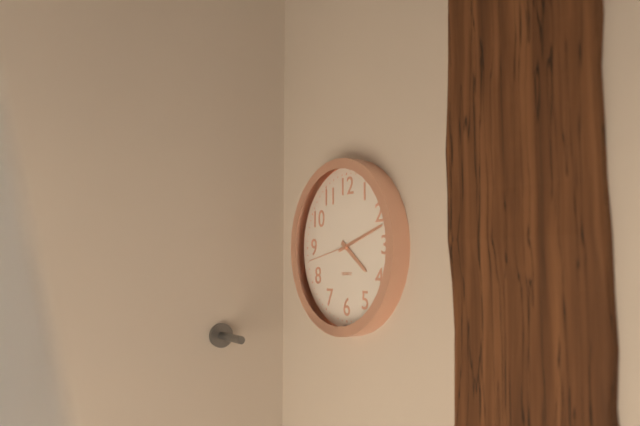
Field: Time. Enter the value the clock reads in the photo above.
4:12
